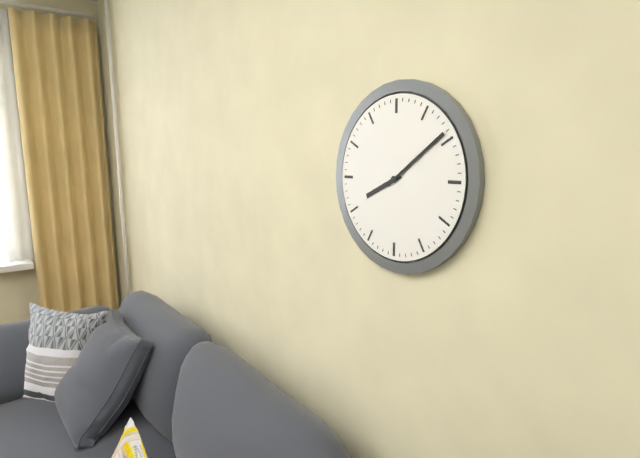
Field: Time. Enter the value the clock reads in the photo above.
8:09
